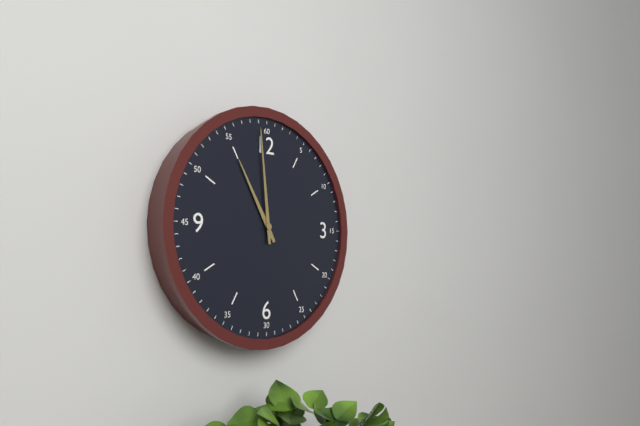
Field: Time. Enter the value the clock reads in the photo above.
10:59
